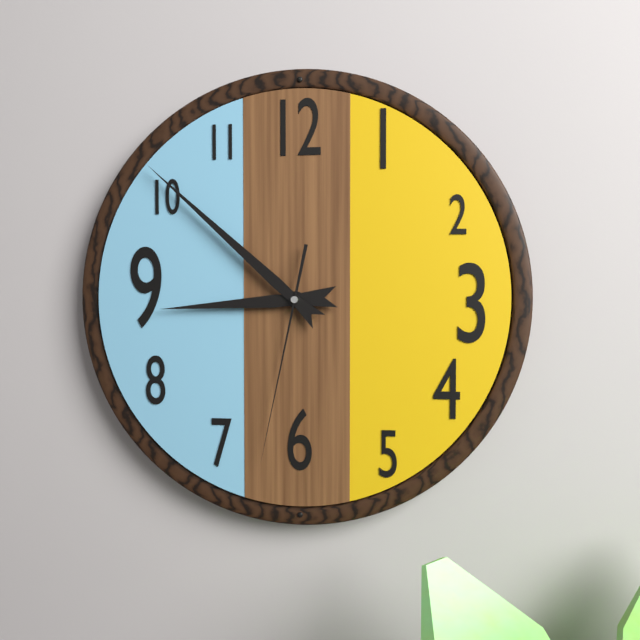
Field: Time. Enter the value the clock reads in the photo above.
8:52:32
